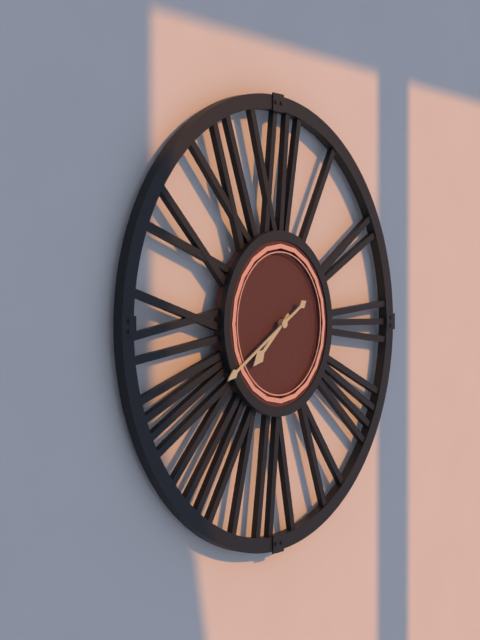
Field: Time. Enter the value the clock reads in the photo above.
7:40
